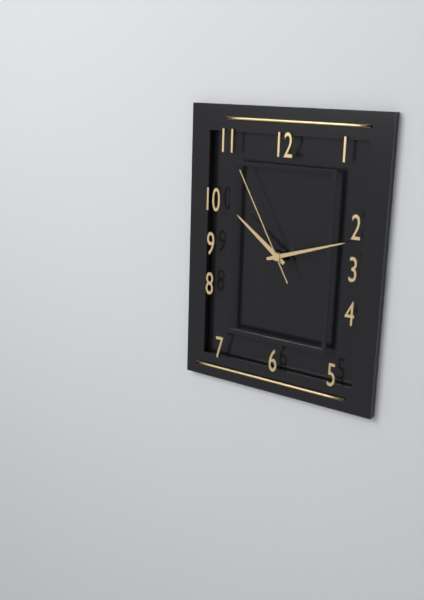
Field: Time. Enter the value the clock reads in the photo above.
10:12:55
